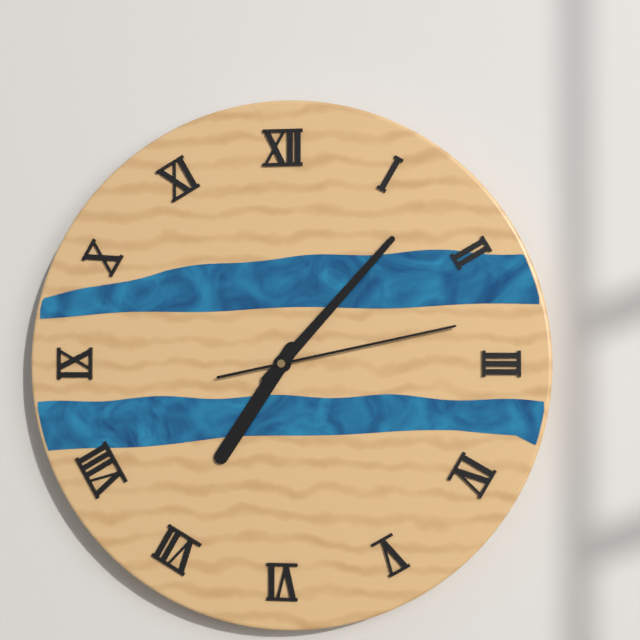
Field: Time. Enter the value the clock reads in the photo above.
7:07:13
